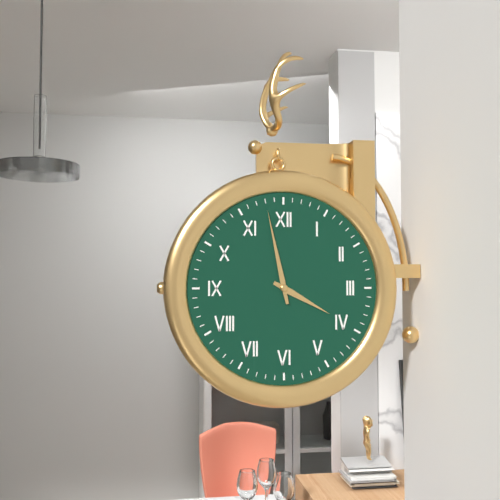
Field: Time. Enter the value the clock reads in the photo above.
3:58
